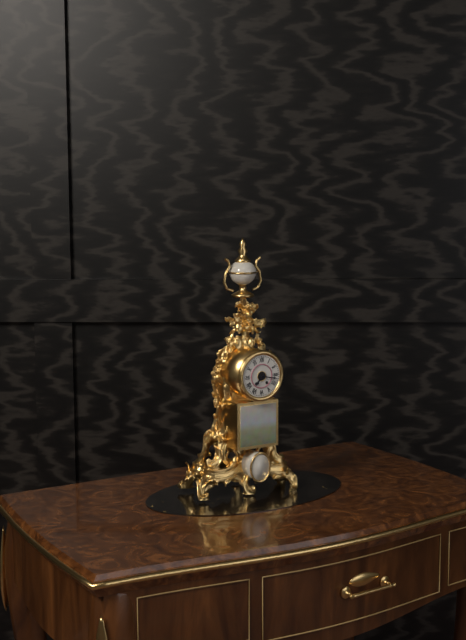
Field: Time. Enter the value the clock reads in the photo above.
7:17
